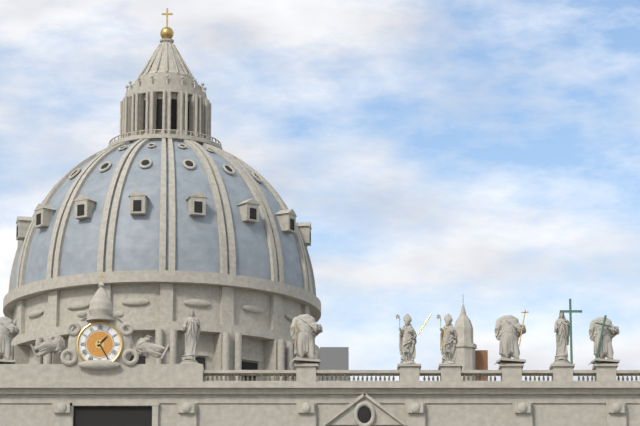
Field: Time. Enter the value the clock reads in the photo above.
1:25
